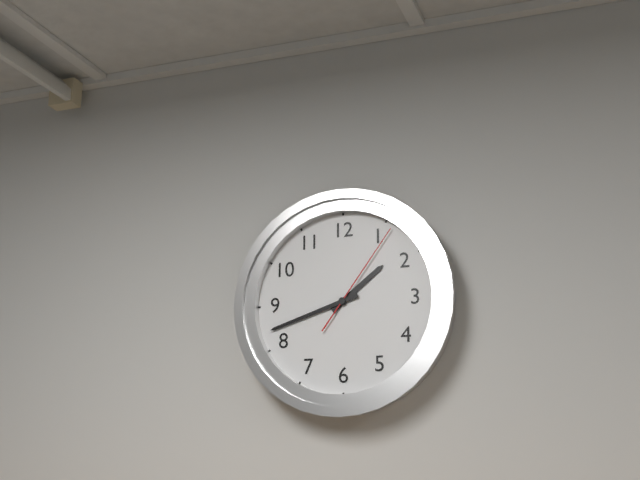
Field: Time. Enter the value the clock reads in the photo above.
1:42:06
